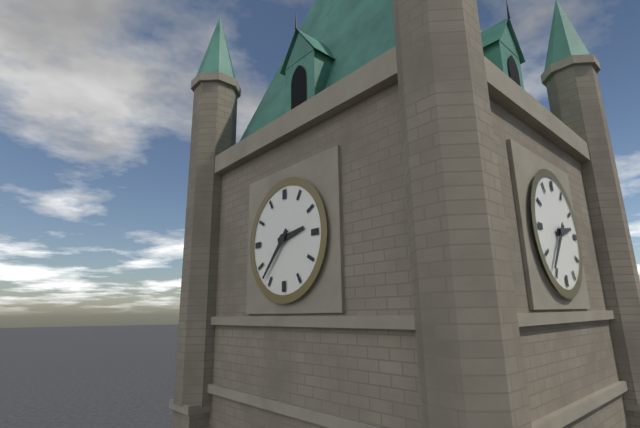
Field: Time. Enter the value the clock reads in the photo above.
2:37
